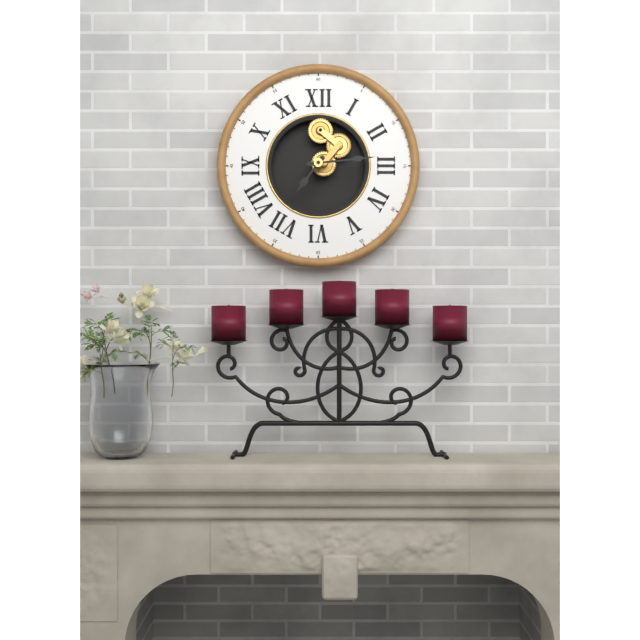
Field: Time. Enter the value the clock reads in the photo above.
7:14
